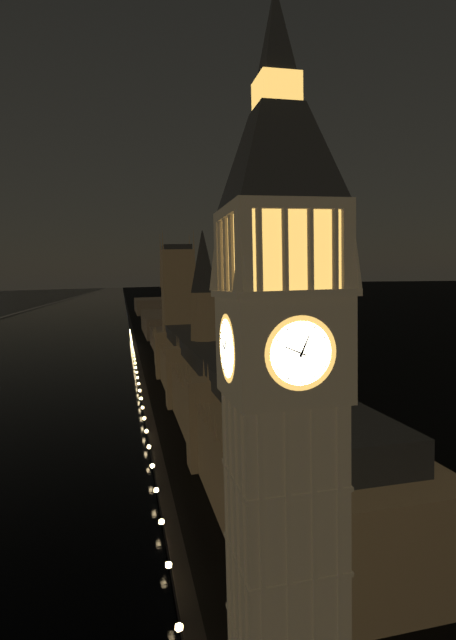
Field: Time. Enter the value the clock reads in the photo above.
12:49
